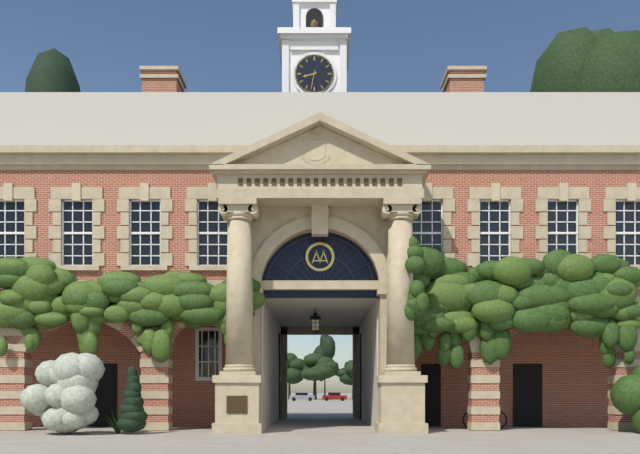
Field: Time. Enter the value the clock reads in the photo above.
8:32
